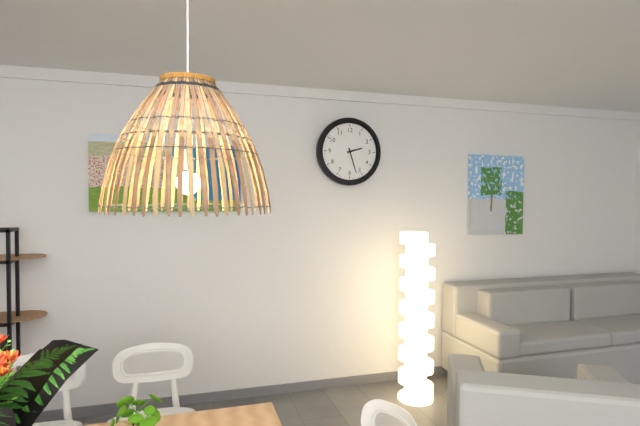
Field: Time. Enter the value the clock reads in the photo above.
2:27
